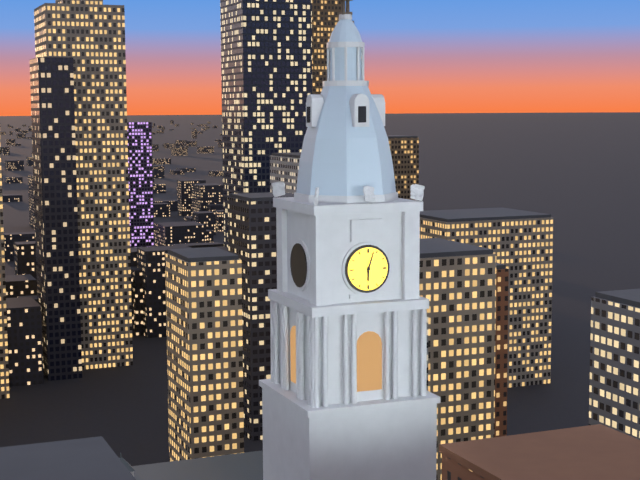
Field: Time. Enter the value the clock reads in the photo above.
6:03
